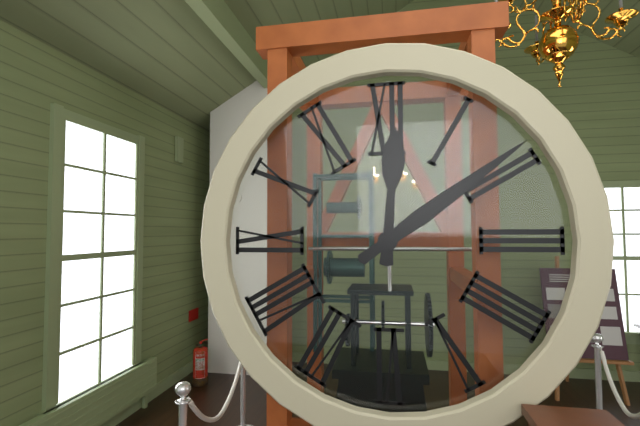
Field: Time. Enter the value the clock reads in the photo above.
12:09
